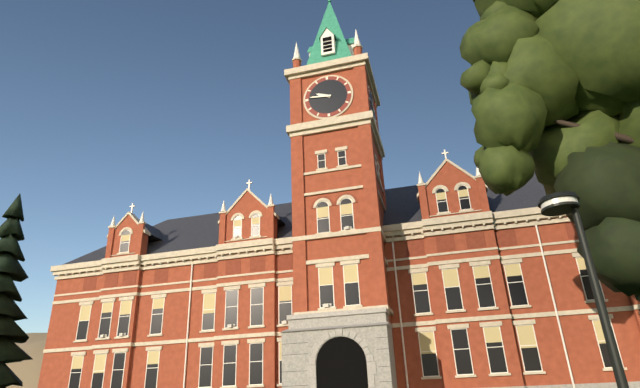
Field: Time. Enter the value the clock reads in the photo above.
9:46
